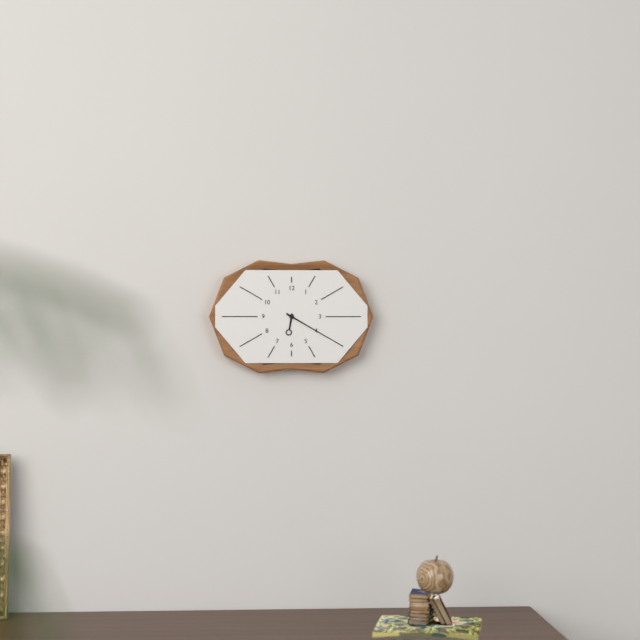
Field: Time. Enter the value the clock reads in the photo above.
6:20
